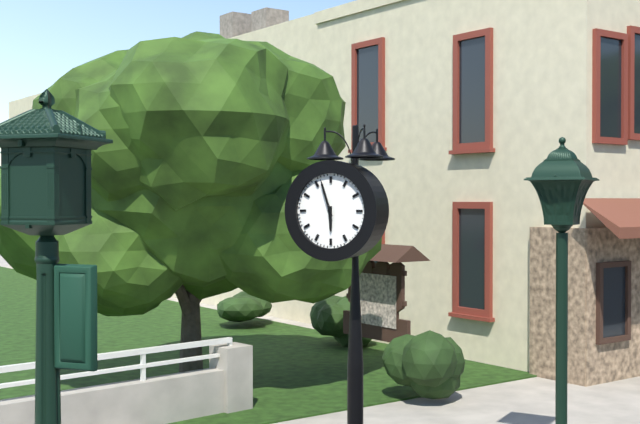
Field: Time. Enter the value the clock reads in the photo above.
5:57
